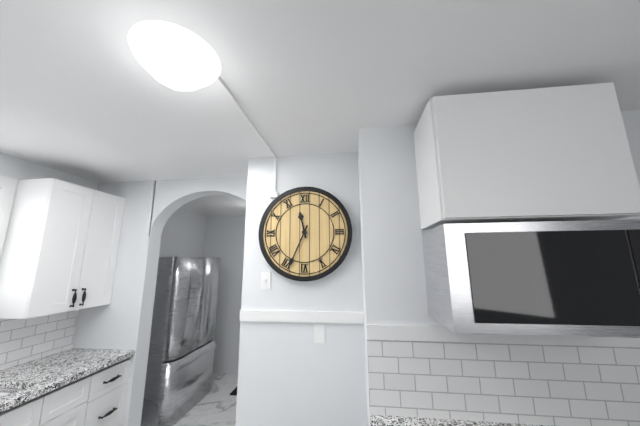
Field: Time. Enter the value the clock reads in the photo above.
11:34
